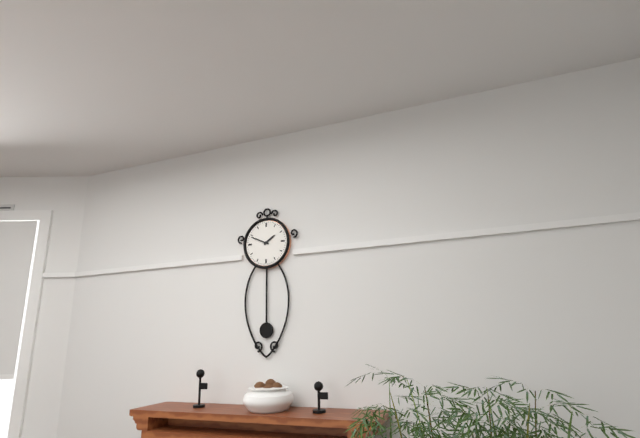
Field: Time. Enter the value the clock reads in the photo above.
1:49
